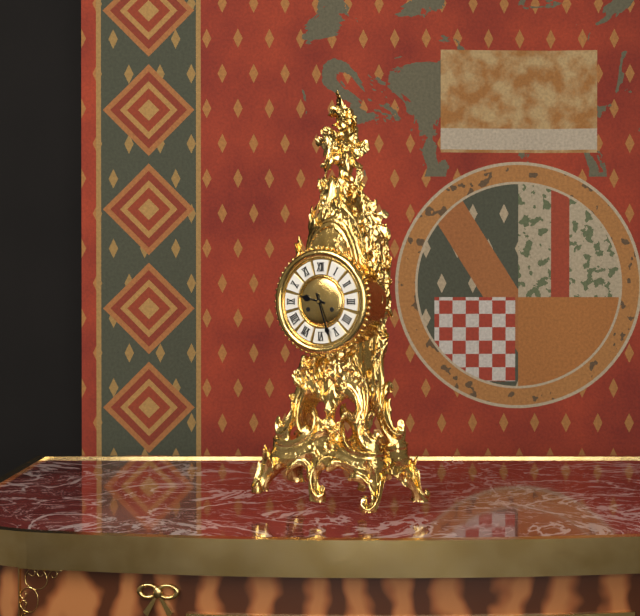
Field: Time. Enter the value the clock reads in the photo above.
9:27
